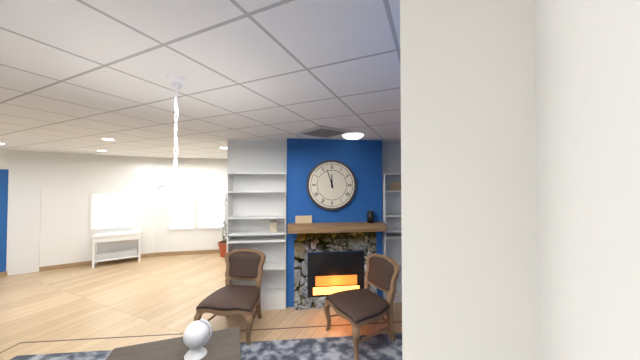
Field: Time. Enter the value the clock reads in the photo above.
11:57
